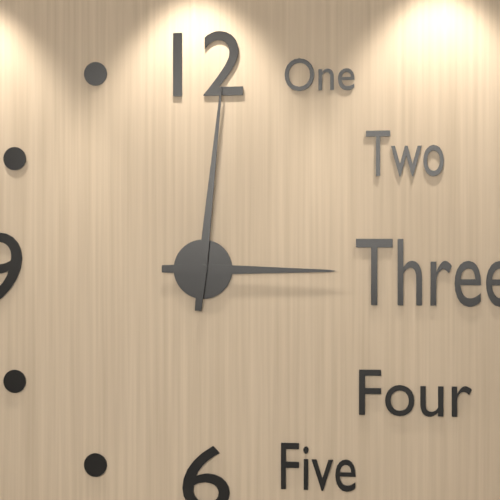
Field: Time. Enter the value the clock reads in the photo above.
3:01
